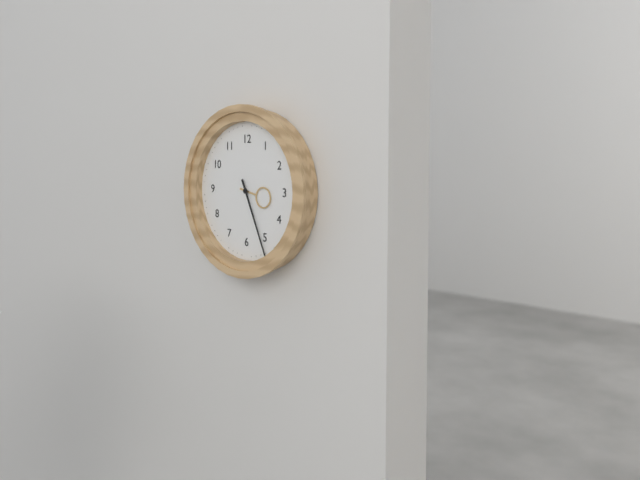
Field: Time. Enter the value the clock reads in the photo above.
3:26
